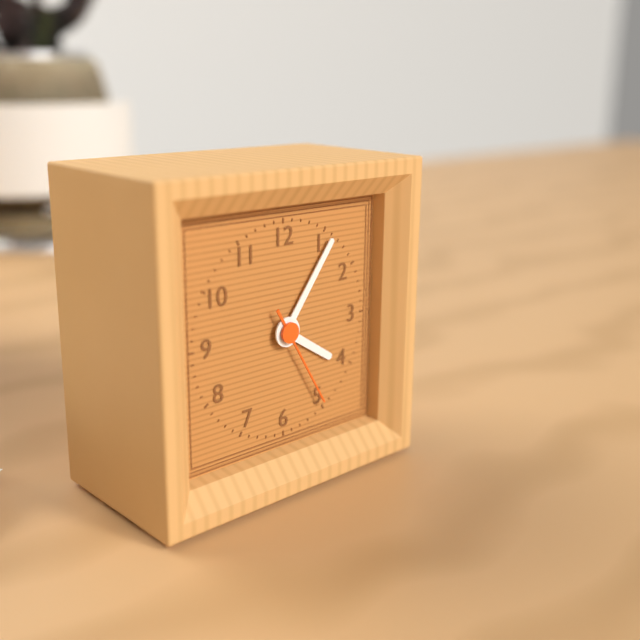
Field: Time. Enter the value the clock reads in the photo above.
4:06:25
